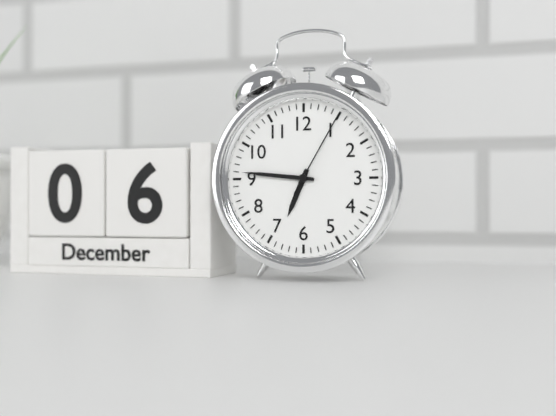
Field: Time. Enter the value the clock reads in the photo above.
6:46:05
